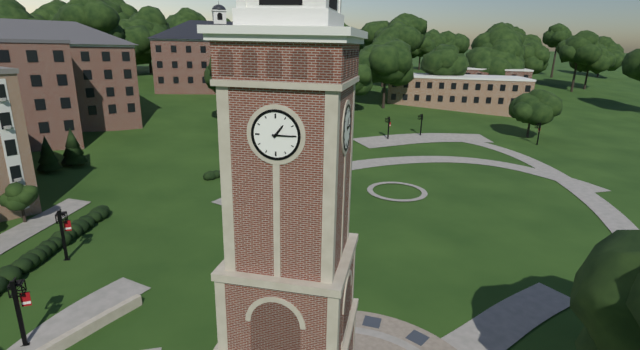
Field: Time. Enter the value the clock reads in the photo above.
1:15
